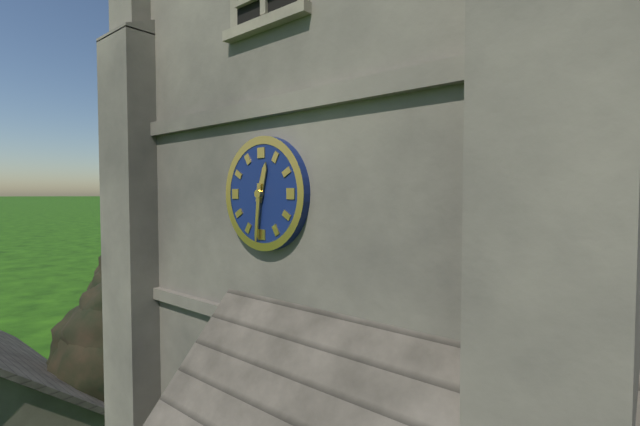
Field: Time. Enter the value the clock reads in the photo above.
12:31
